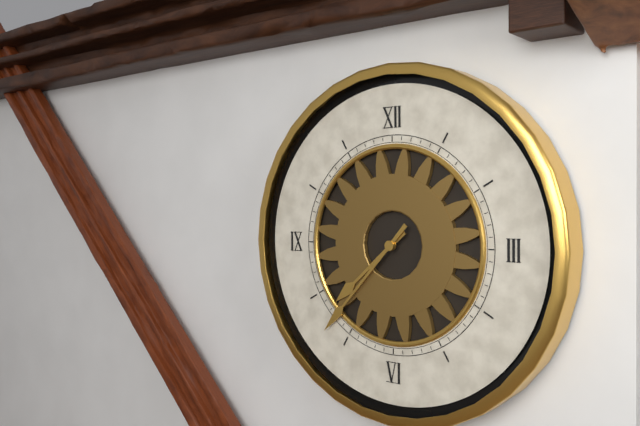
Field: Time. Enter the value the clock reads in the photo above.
7:37
